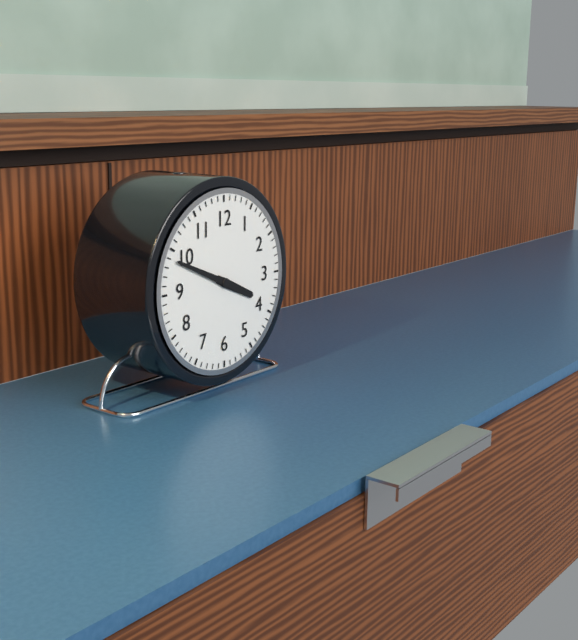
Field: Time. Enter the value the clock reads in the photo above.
3:49
